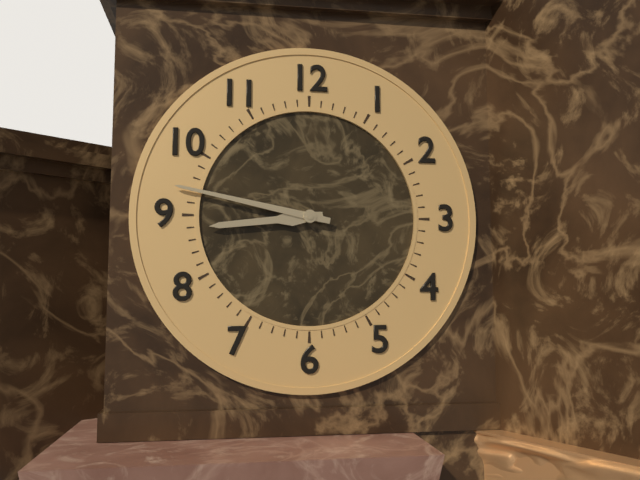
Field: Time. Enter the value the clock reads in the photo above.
8:47
